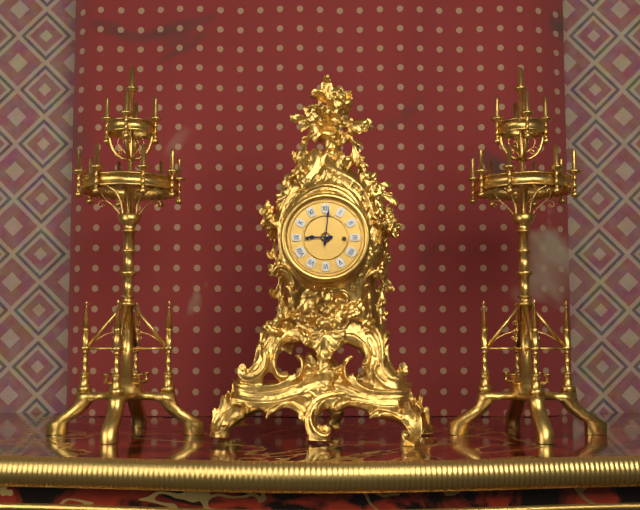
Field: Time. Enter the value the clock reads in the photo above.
9:01
